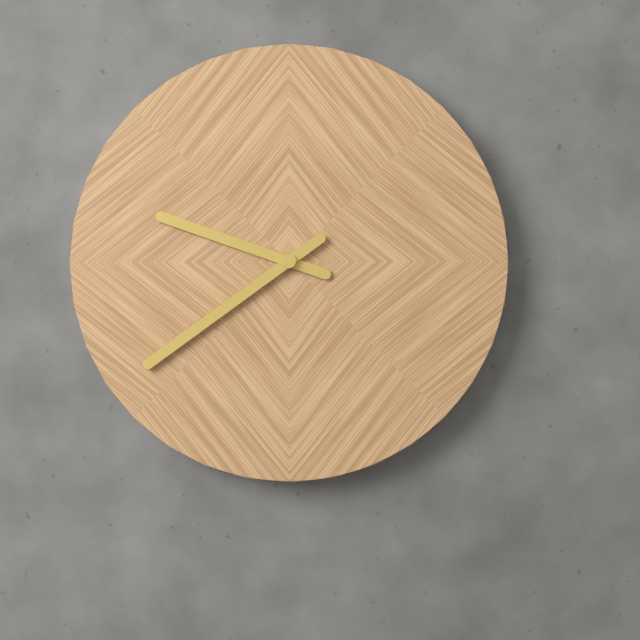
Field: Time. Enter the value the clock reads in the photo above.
9:39
